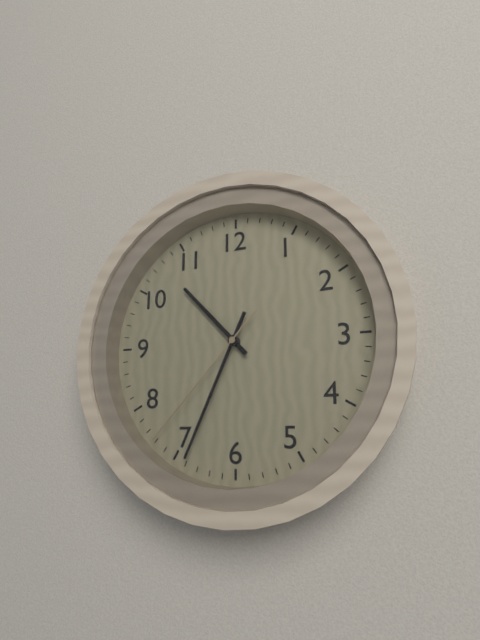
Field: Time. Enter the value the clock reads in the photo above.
10:34:37
